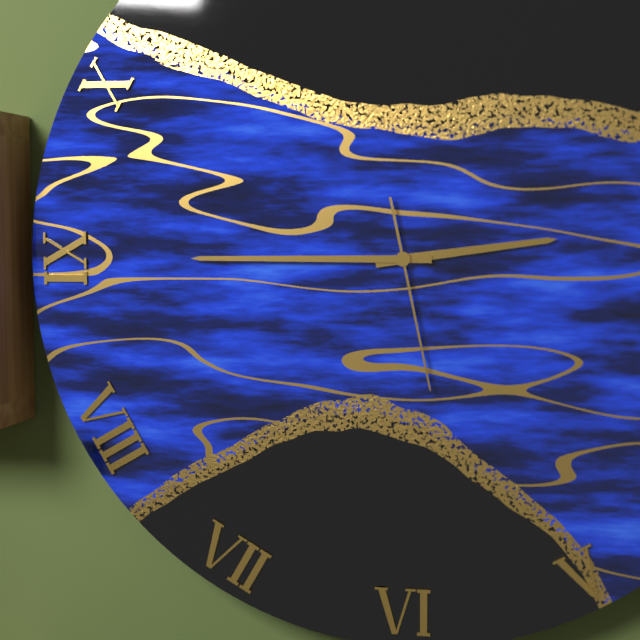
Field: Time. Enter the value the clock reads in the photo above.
2:45:28
